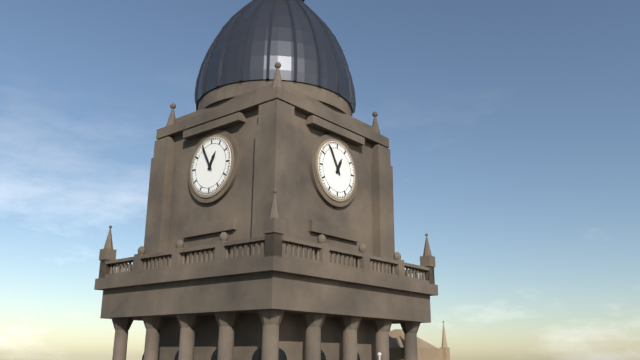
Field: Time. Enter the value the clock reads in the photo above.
12:55
